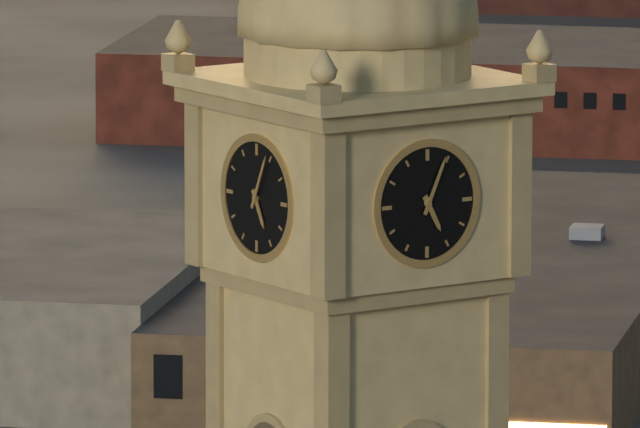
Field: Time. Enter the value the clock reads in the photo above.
5:04
